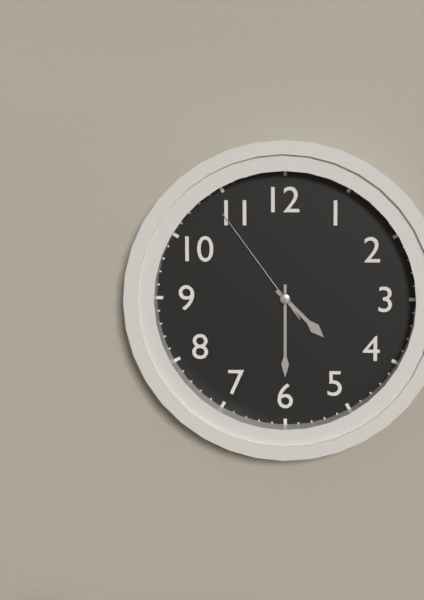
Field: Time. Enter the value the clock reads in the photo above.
4:30:54
